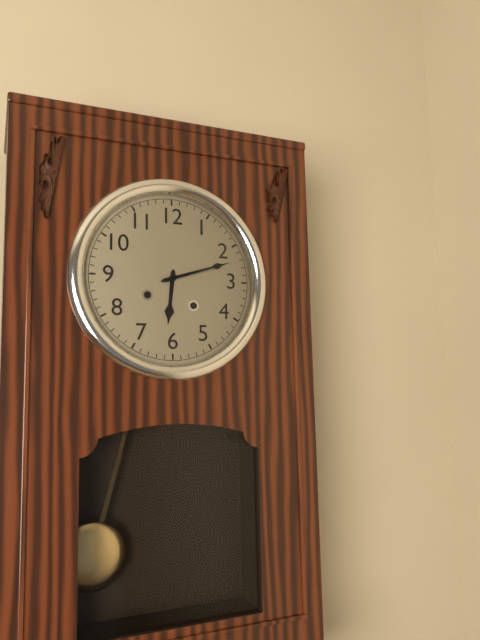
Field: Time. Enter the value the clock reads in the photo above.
6:12
